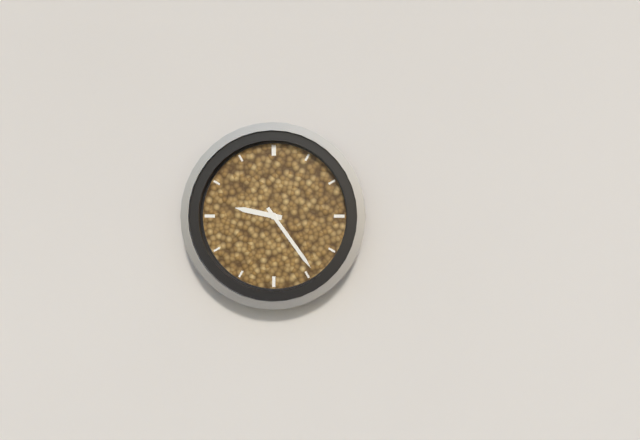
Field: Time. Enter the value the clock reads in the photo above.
9:24
